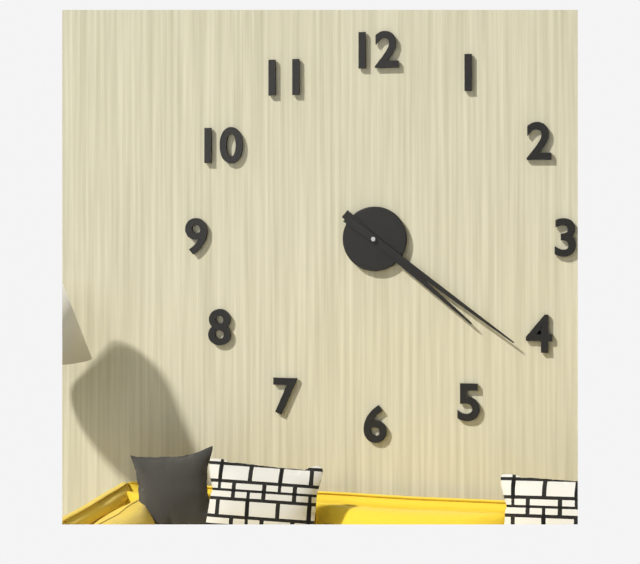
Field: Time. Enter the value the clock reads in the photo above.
4:21
